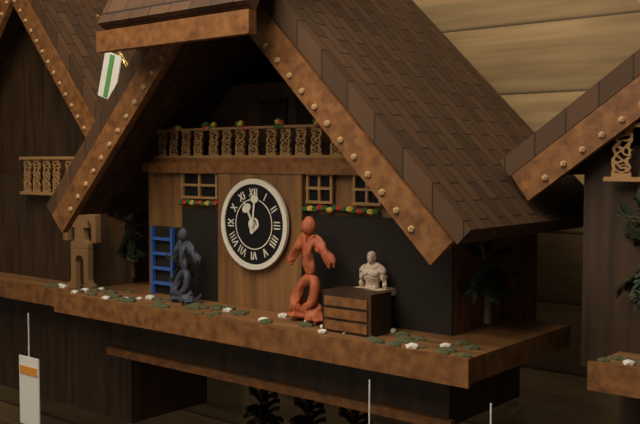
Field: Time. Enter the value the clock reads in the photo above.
11:01
